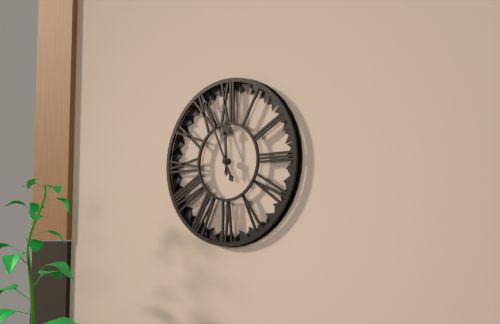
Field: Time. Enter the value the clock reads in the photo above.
11:56
